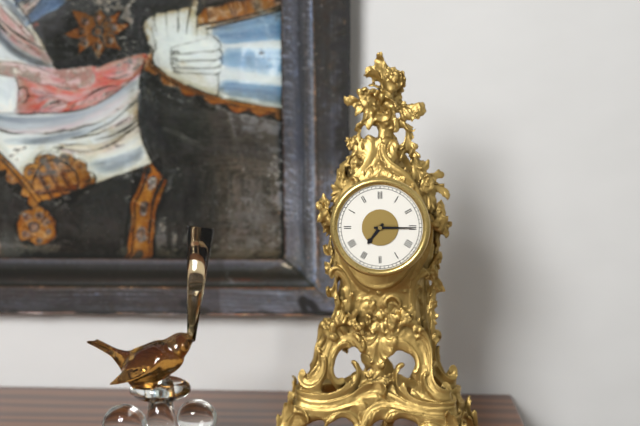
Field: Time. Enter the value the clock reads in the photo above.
7:15
